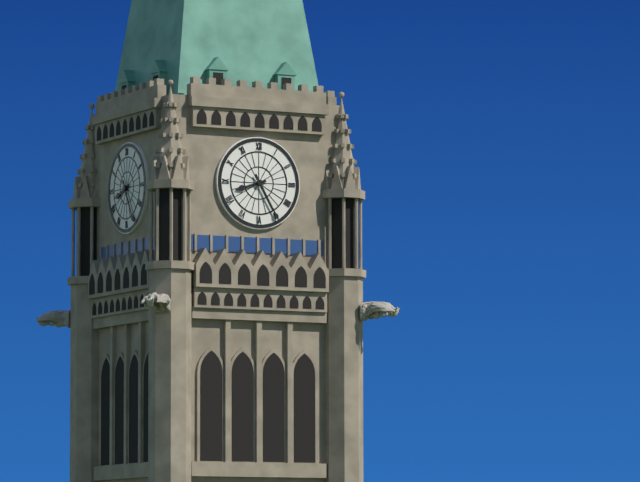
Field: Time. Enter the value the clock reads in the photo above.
8:25
